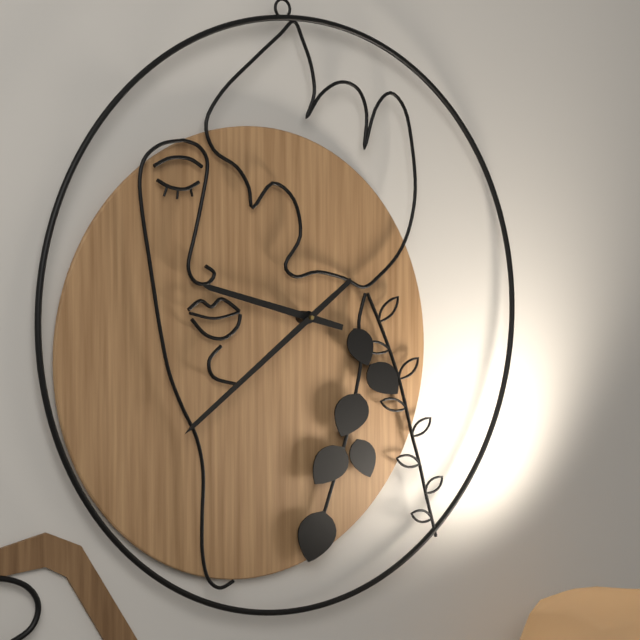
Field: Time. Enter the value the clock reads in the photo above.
9:40
